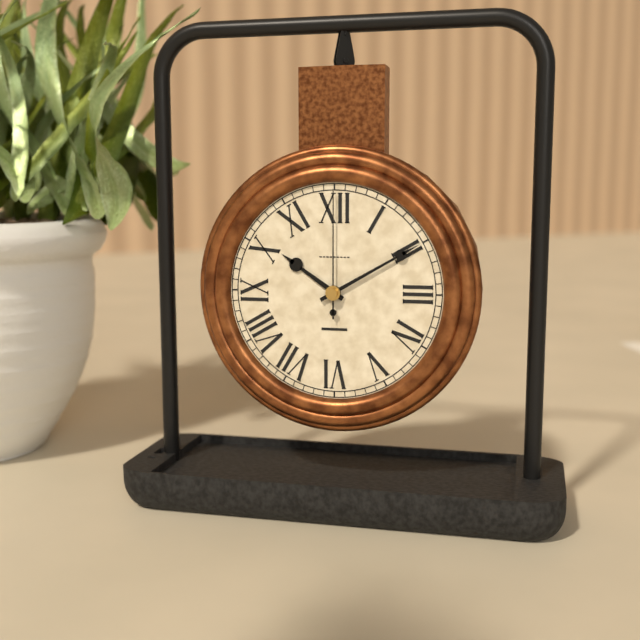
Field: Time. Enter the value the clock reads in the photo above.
10:10:00
